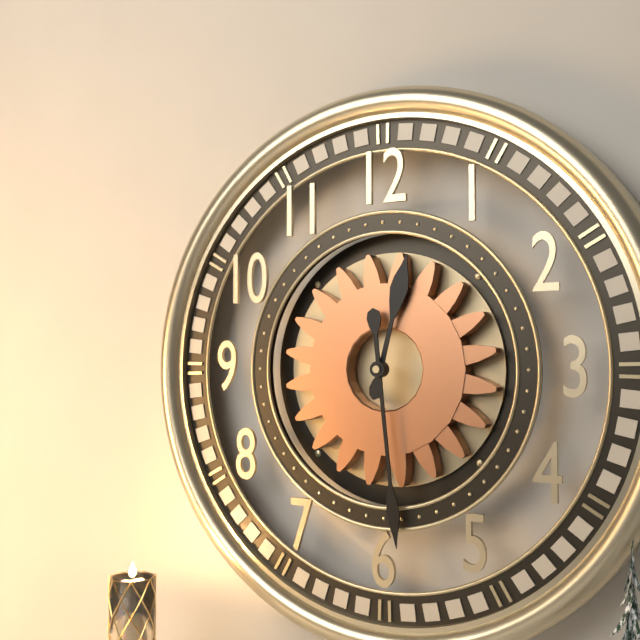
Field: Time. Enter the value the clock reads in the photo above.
12:29
